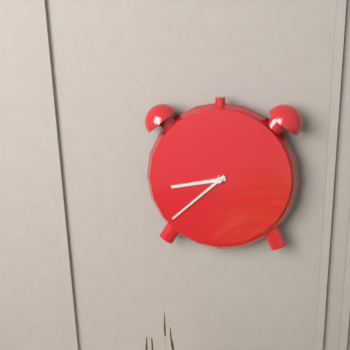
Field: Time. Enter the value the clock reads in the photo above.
8:38
